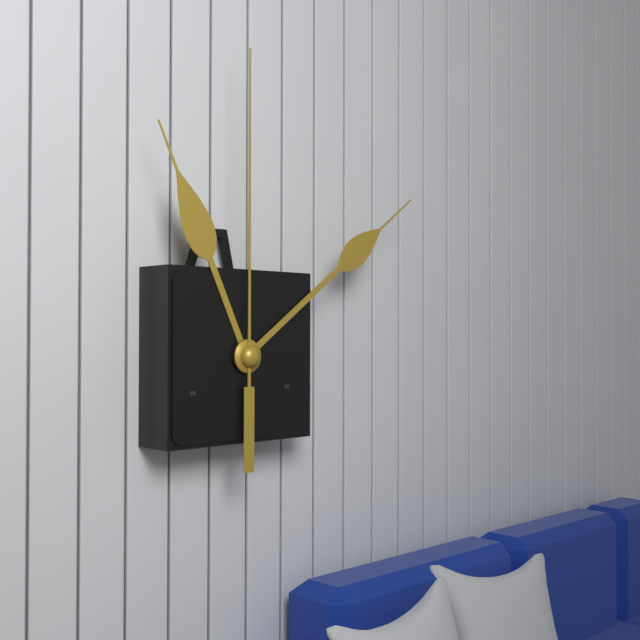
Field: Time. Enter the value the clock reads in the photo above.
11:09:00
